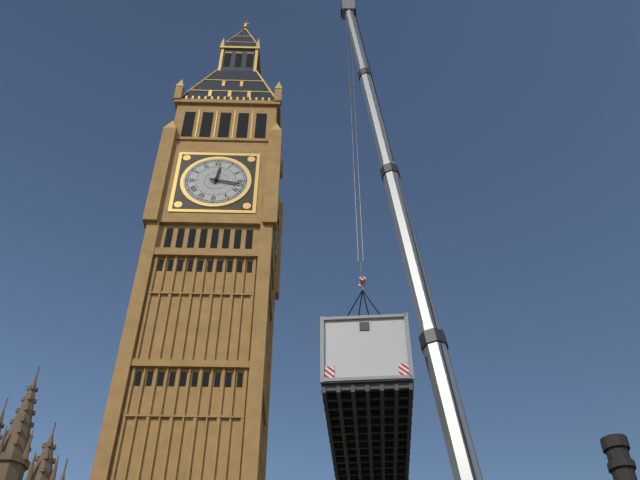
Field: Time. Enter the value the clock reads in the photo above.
12:17
